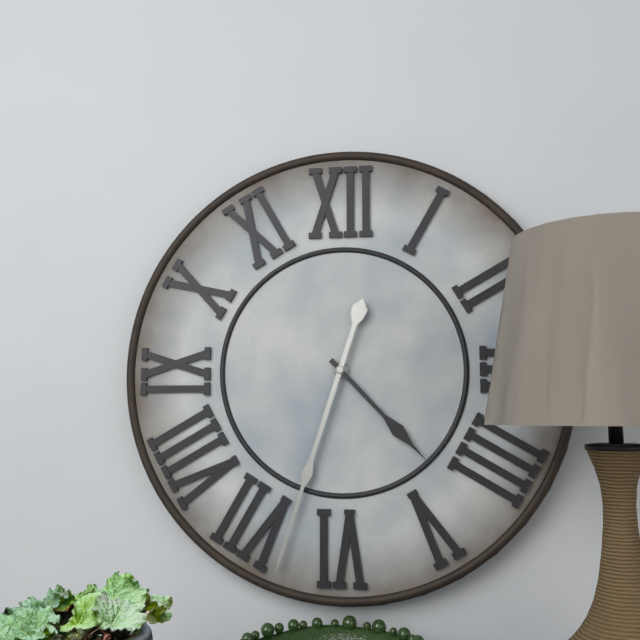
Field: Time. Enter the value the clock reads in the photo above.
4:33
